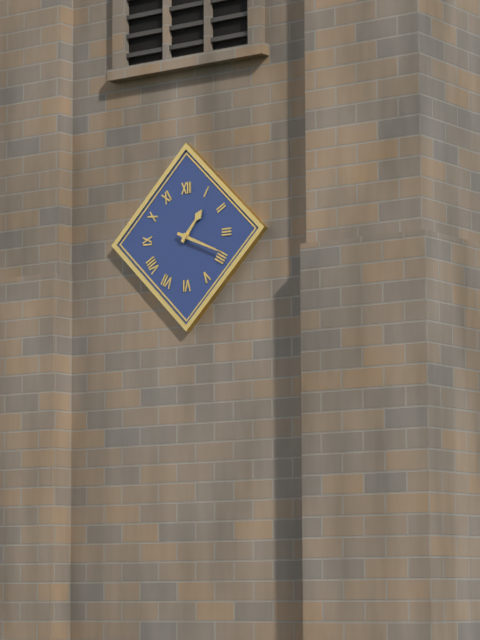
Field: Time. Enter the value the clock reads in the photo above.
1:19
